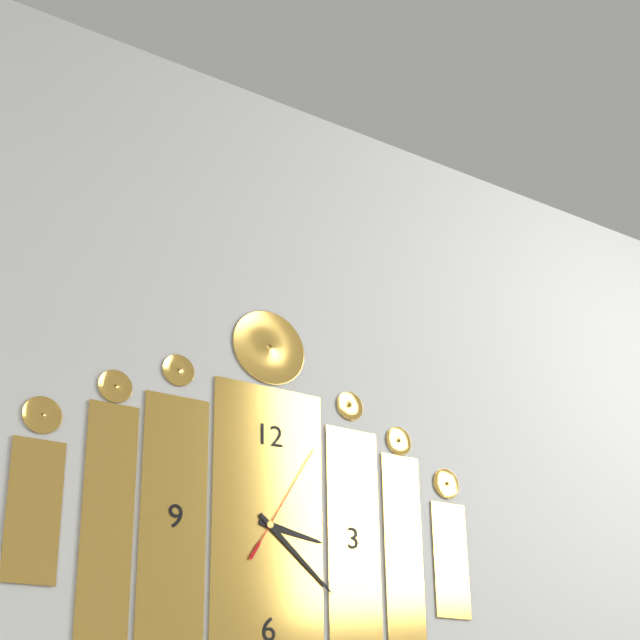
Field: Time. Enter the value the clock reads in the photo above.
3:22:05
